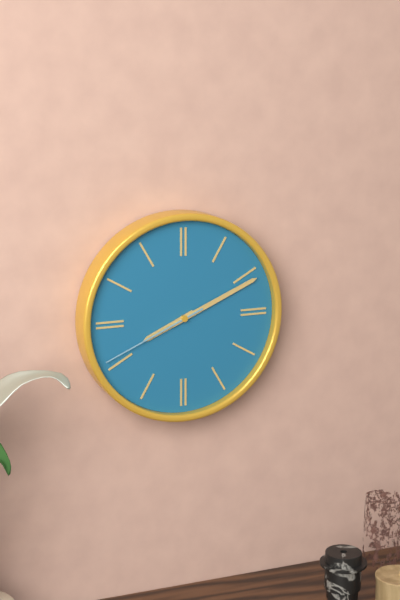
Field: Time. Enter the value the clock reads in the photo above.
8:11:41
